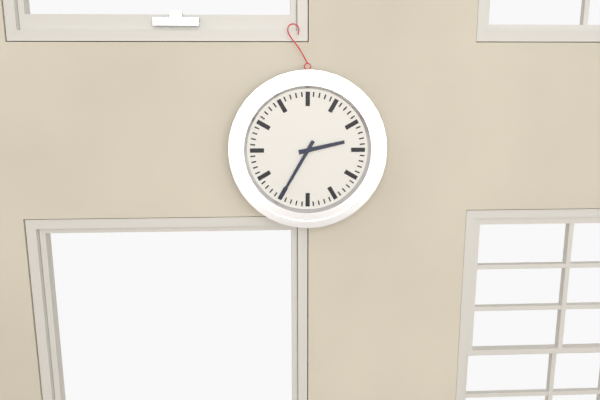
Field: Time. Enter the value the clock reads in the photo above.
2:35
